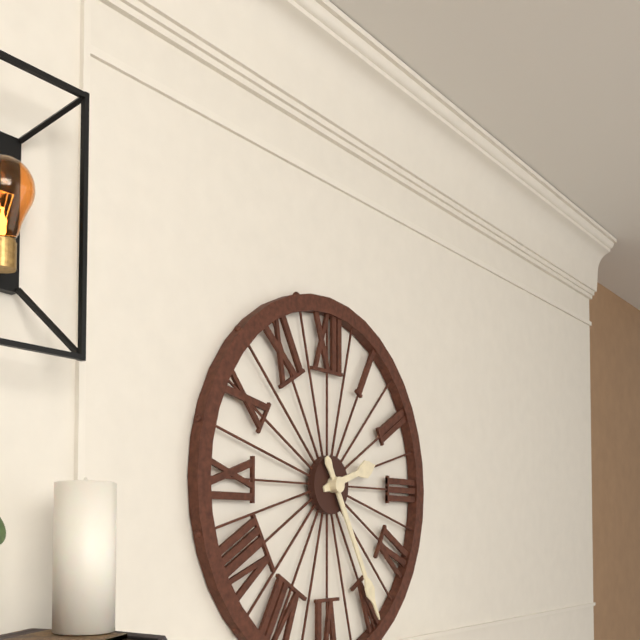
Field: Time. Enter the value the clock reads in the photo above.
2:25
